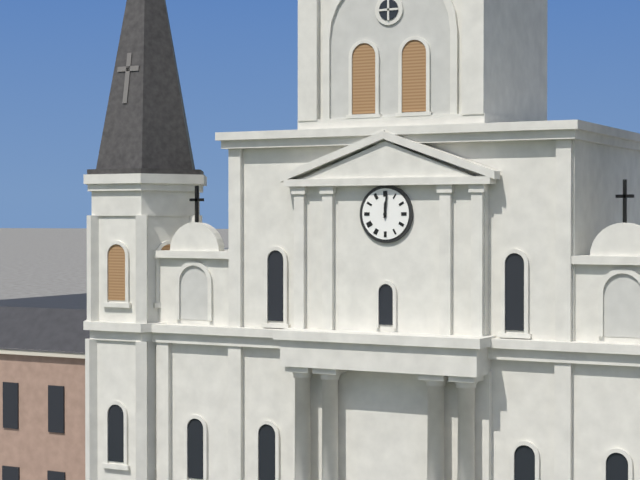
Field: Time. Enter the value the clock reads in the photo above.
12:01
